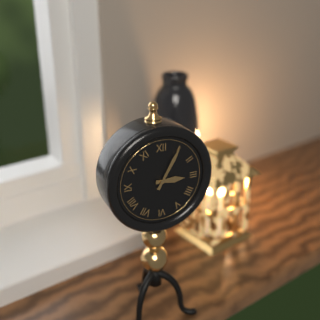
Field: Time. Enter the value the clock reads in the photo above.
3:05
